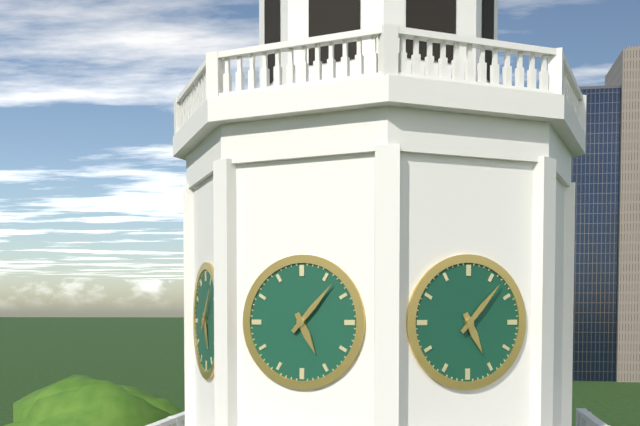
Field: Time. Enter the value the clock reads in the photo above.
5:07
